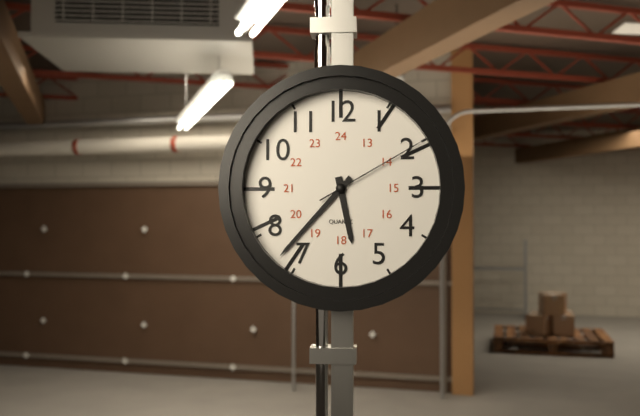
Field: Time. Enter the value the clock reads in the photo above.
5:37:10
